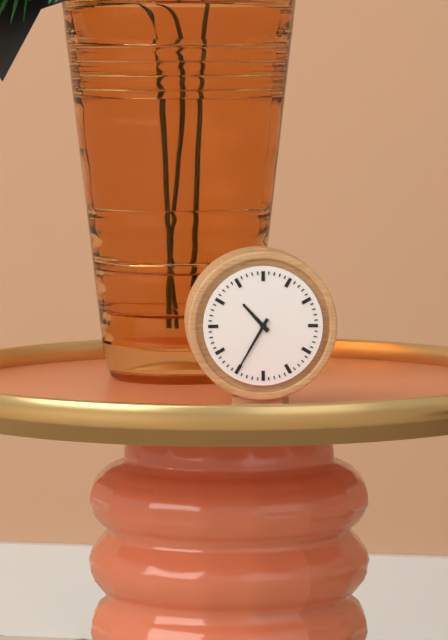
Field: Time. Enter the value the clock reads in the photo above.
10:35
